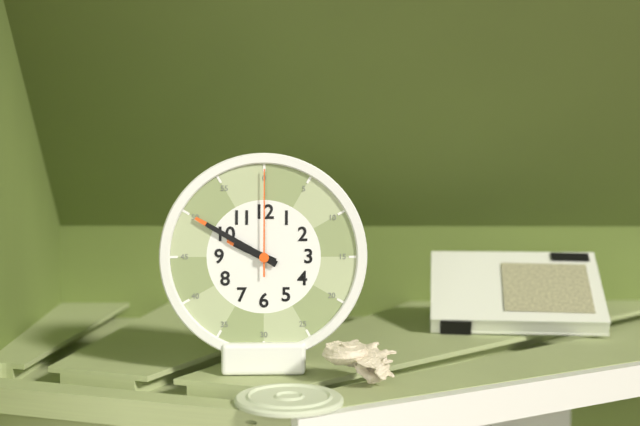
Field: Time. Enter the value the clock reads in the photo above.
9:50:00
